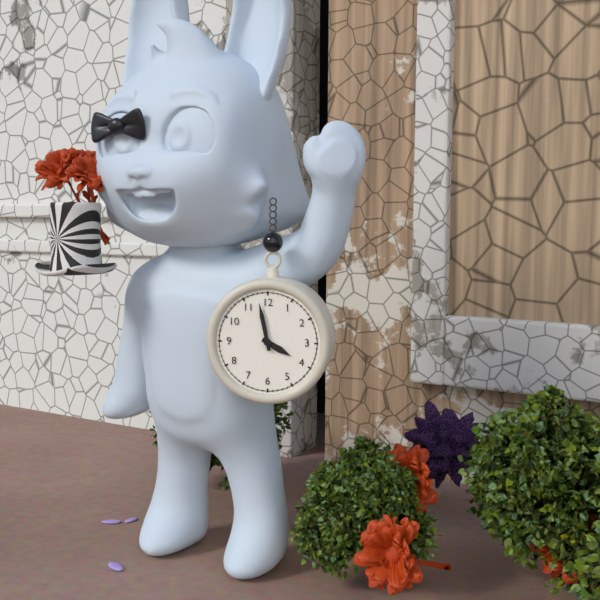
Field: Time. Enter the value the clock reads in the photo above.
3:58
